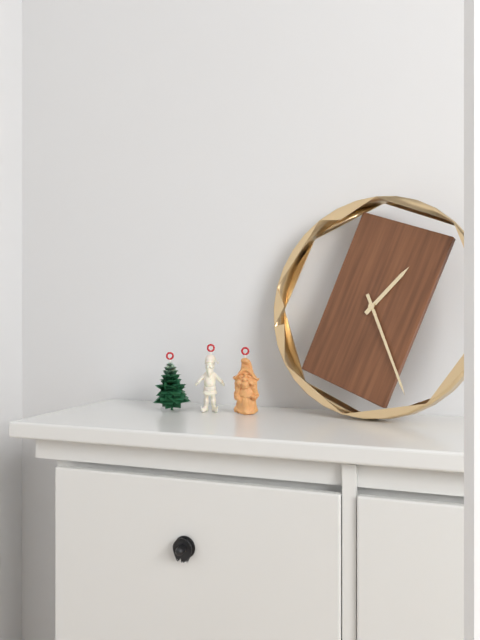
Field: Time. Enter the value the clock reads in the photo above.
1:26
